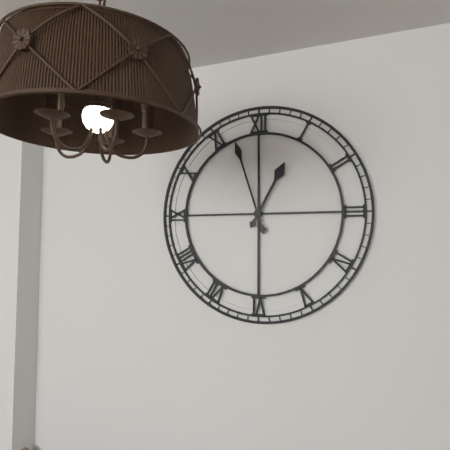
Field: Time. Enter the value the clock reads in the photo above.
12:57
